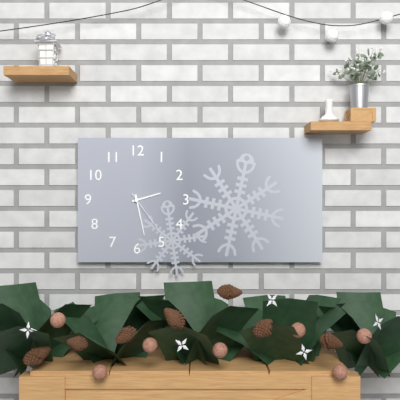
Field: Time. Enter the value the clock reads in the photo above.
2:28
